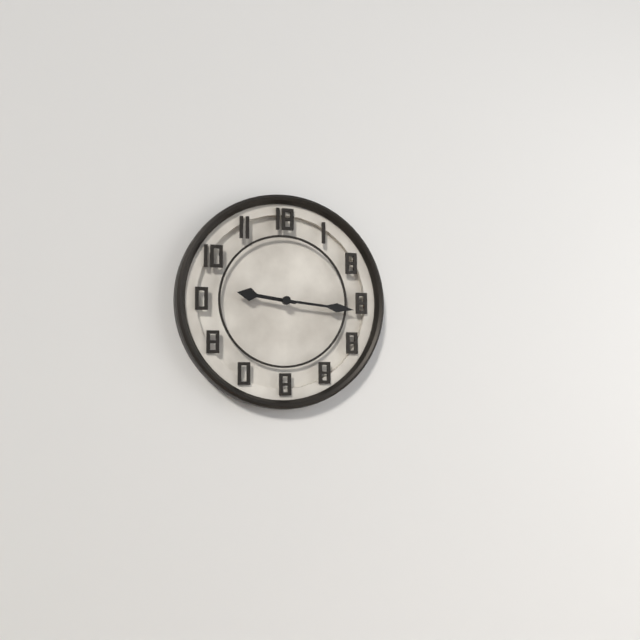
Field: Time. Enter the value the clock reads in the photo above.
9:16
